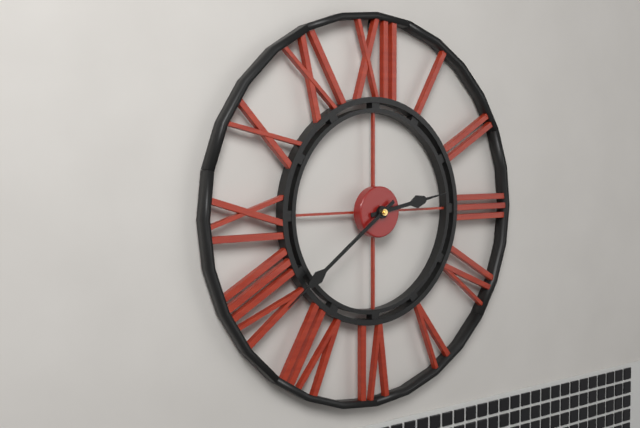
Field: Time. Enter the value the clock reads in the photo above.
2:39
